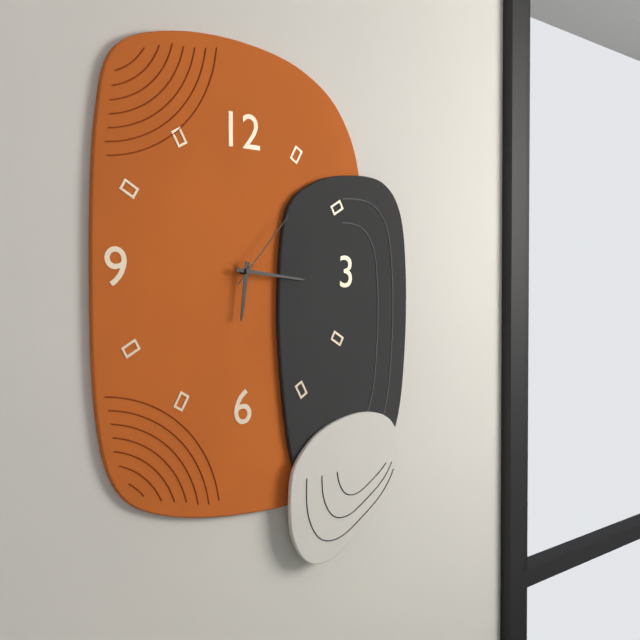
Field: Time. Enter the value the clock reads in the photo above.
6:16:07
